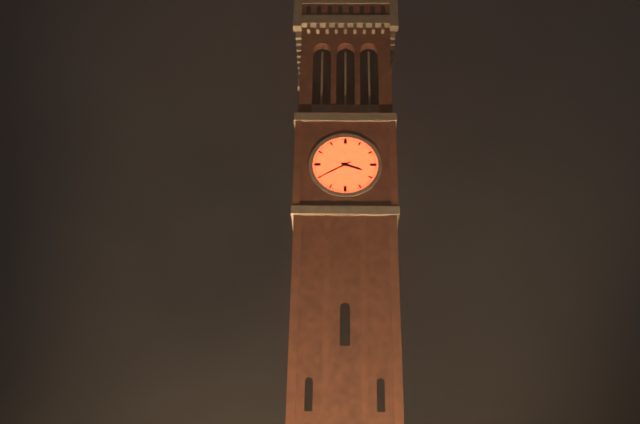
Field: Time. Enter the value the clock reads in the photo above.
3:40
